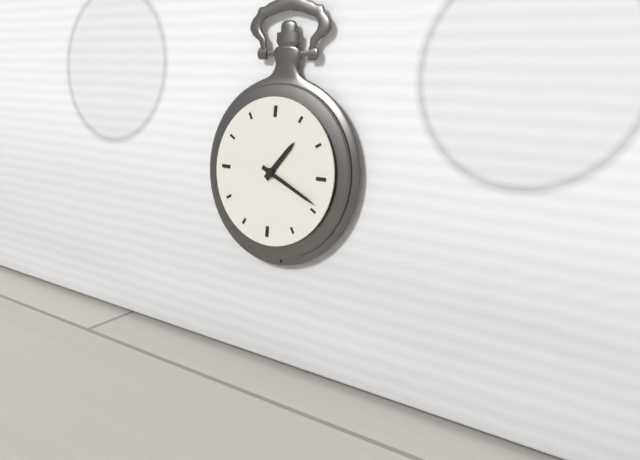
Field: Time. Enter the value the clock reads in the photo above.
1:19
